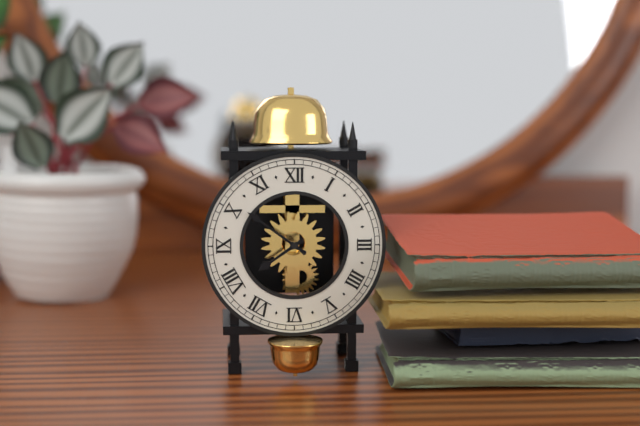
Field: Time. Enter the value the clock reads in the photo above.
7:51
